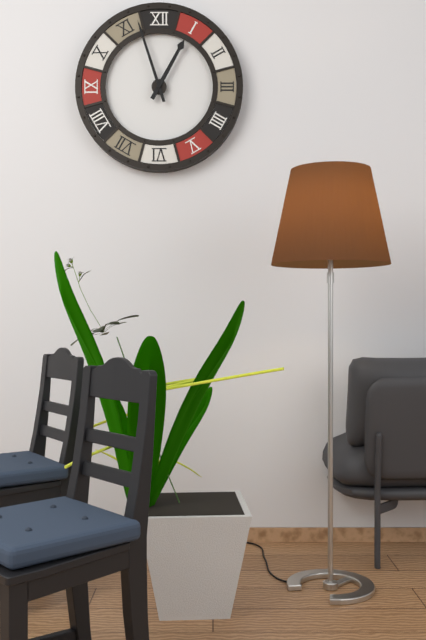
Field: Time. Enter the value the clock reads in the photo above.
12:57
